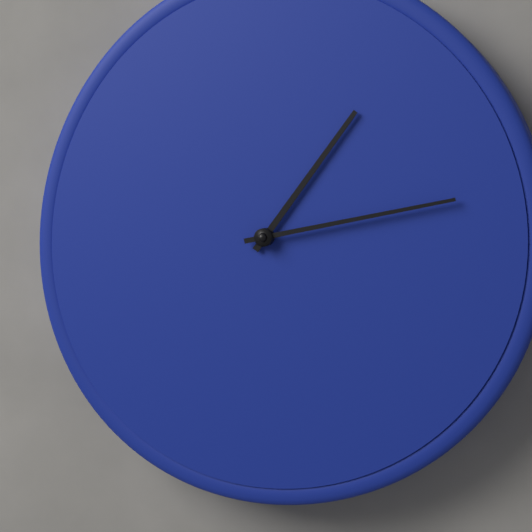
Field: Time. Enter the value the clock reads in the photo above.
1:13
